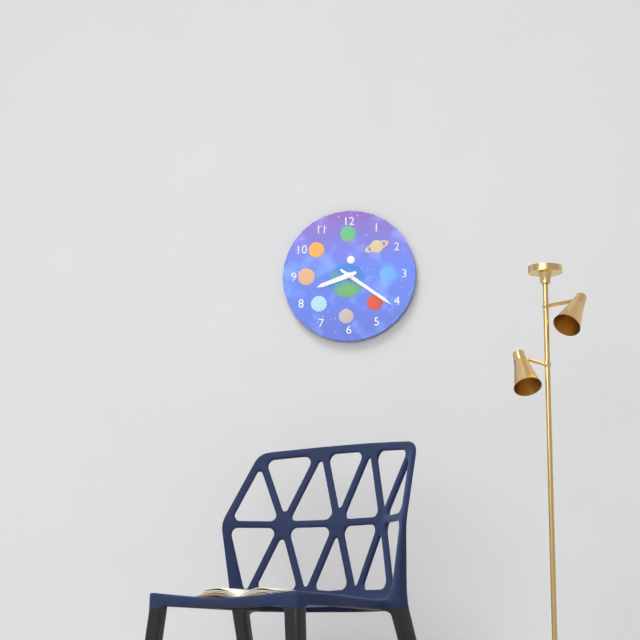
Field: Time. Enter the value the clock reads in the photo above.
8:21
